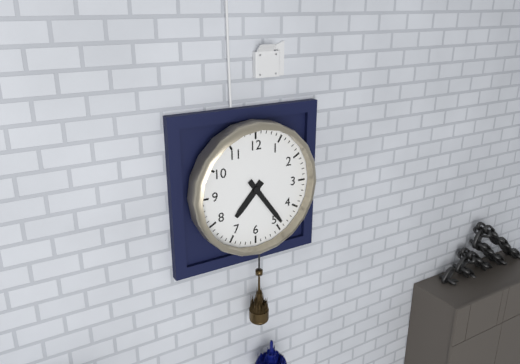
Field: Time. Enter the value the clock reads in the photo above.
7:24
